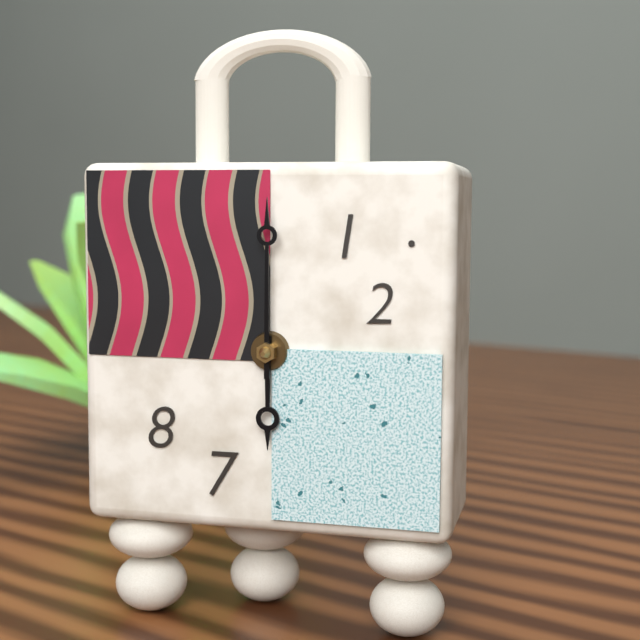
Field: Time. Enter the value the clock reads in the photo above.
6:00
